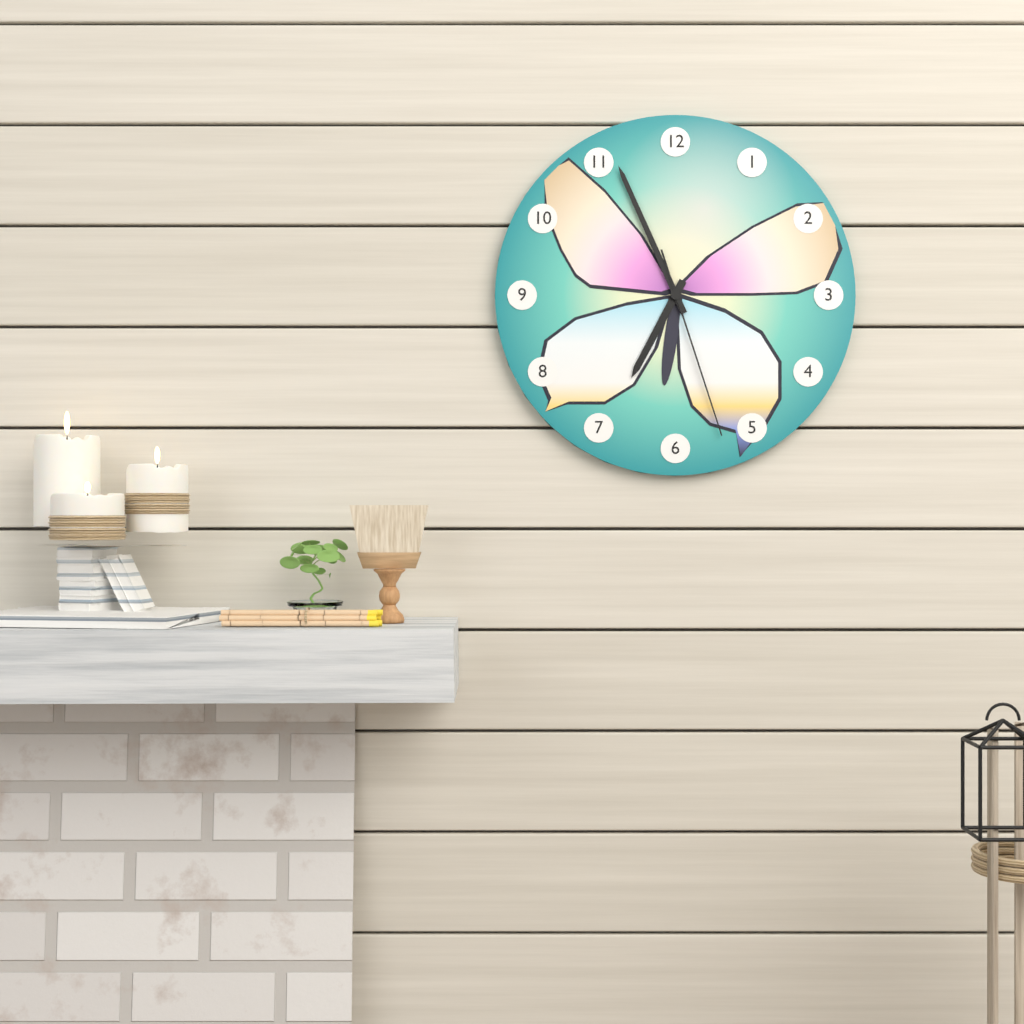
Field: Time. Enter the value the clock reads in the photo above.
6:56:27
